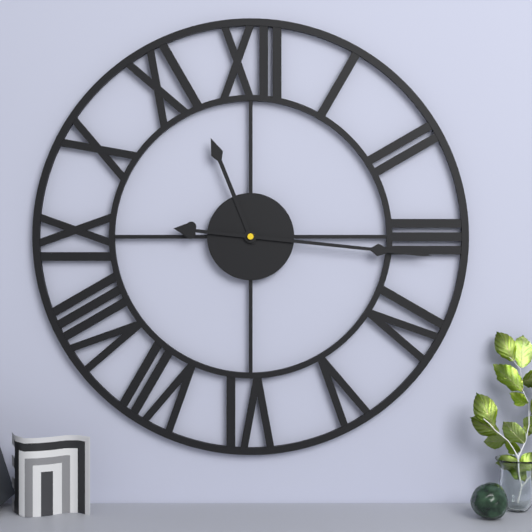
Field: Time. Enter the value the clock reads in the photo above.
11:16
